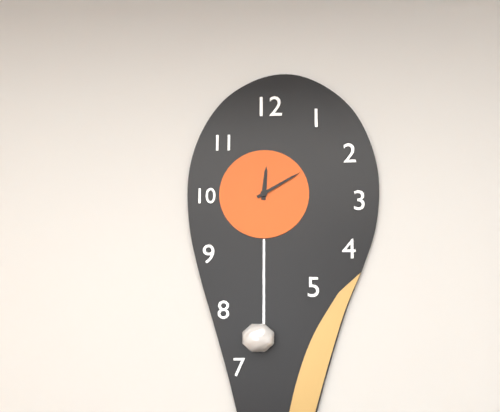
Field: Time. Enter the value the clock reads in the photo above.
12:10
